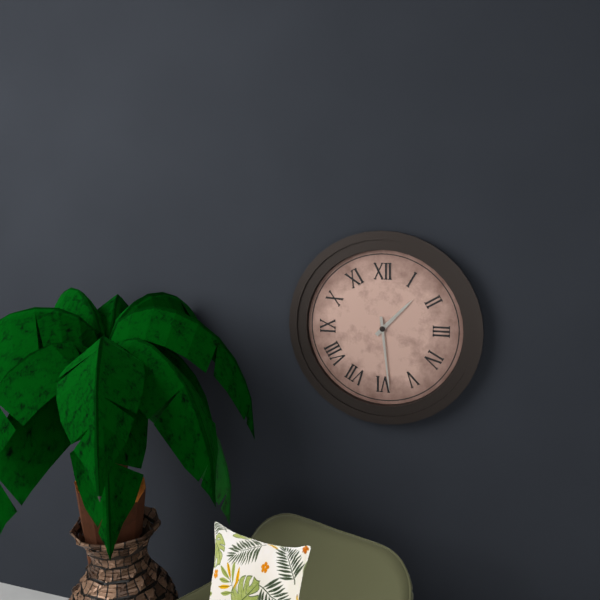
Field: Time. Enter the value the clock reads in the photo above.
1:29
